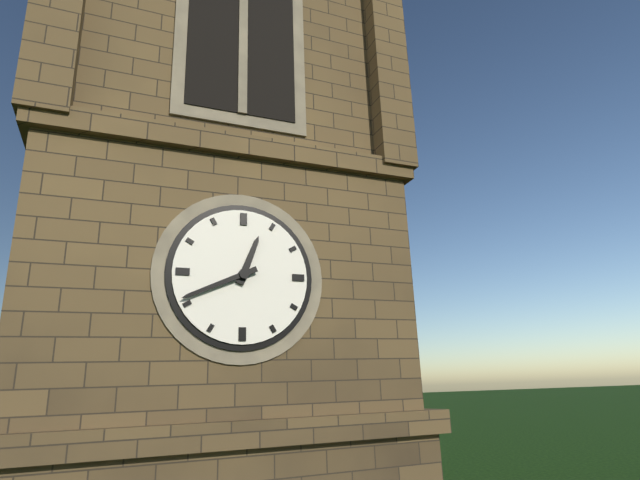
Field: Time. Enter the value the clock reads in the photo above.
12:41
